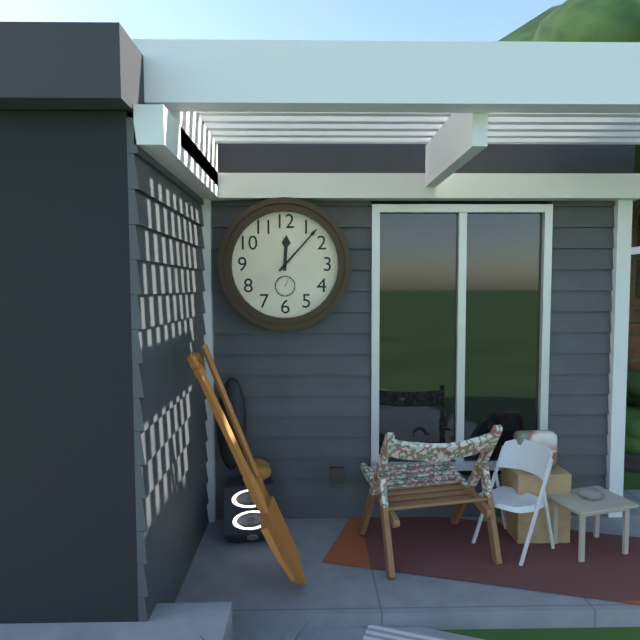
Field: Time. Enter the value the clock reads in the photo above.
12:07
